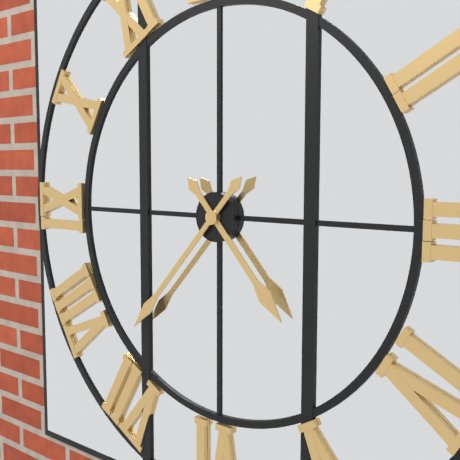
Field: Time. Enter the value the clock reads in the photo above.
4:37
